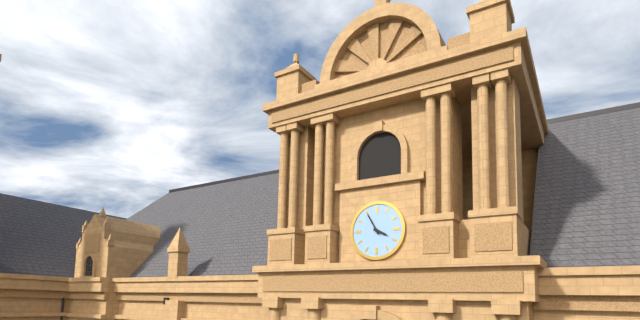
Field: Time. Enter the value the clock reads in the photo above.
3:55
